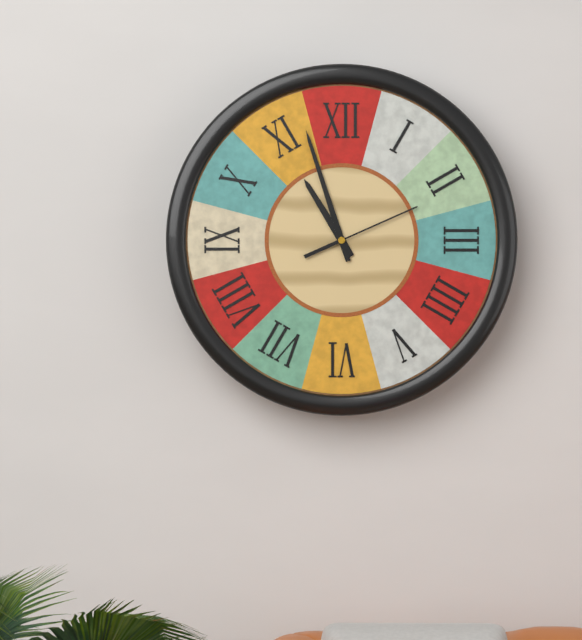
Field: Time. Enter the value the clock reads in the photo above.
10:57:11
